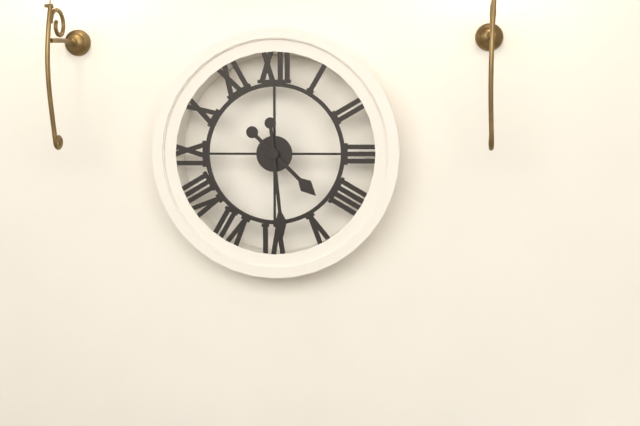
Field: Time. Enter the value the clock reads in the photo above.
4:29
